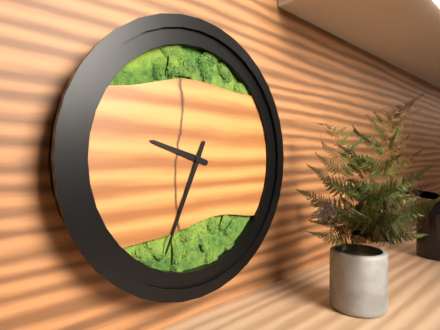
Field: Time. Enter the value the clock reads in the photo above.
9:34
